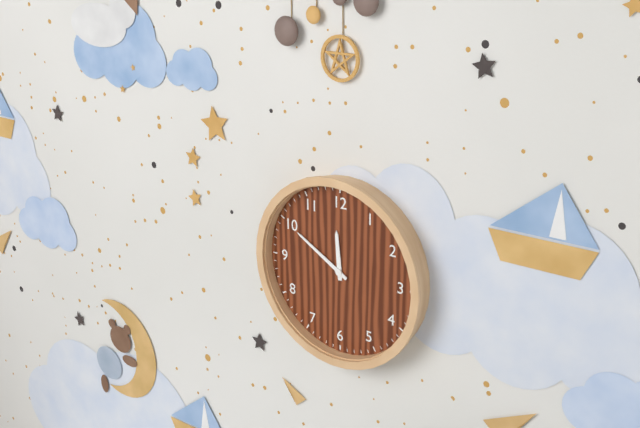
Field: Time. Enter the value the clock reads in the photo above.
11:50
